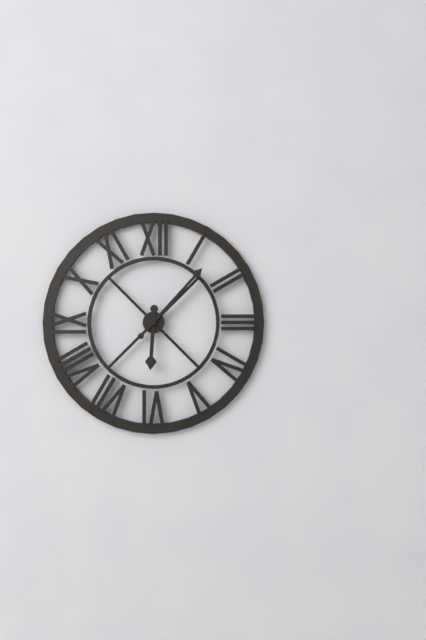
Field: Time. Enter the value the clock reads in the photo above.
6:07
